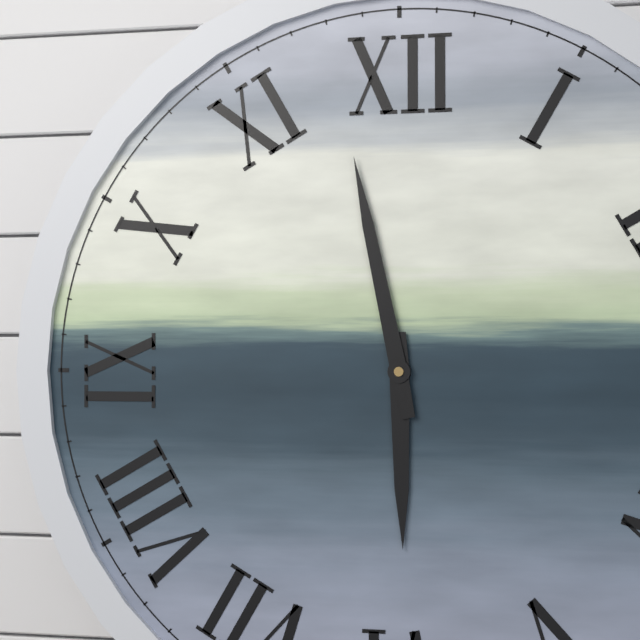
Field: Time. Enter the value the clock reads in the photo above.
5:58
